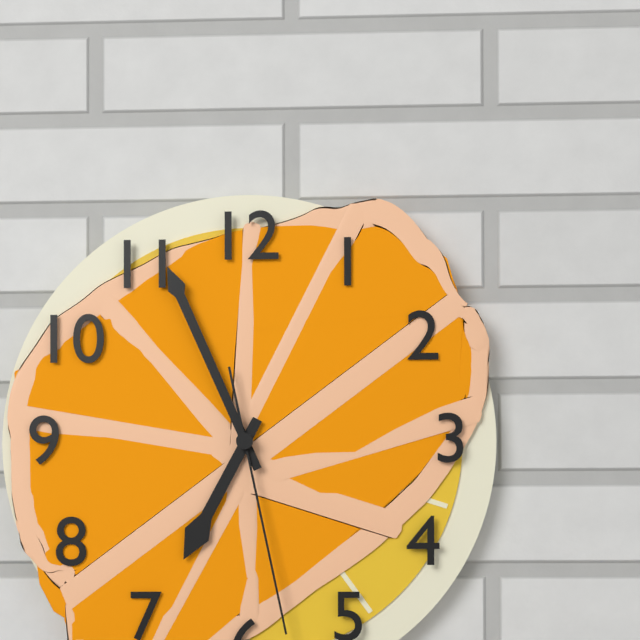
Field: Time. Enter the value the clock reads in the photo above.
6:56:28
